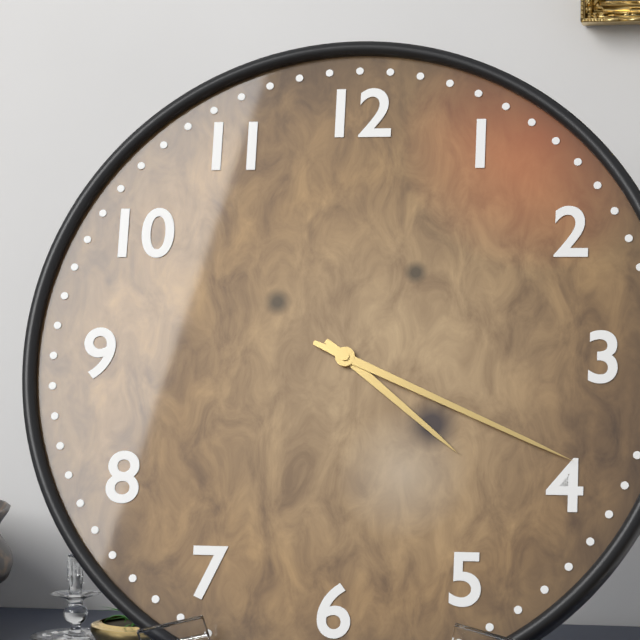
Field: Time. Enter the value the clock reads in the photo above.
4:19
